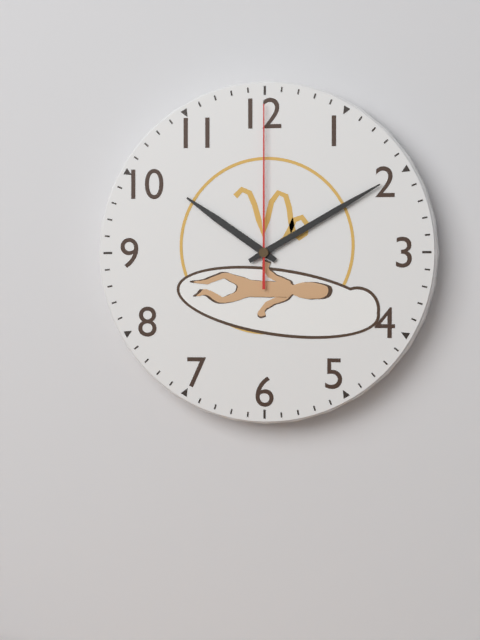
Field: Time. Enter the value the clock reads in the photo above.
10:10:00
